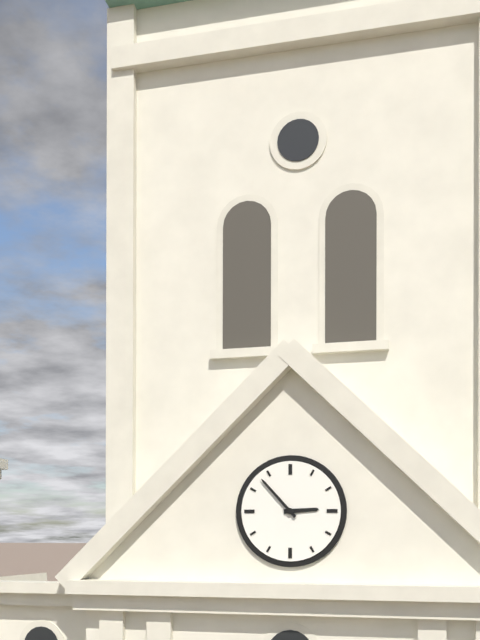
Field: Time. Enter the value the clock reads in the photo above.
2:53
